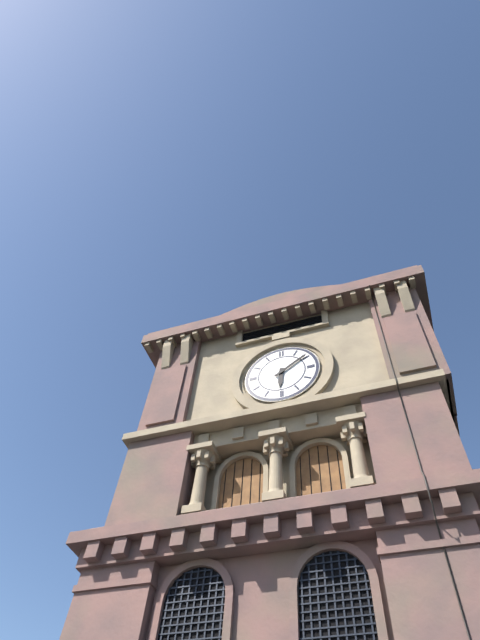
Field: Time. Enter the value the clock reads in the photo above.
6:09
